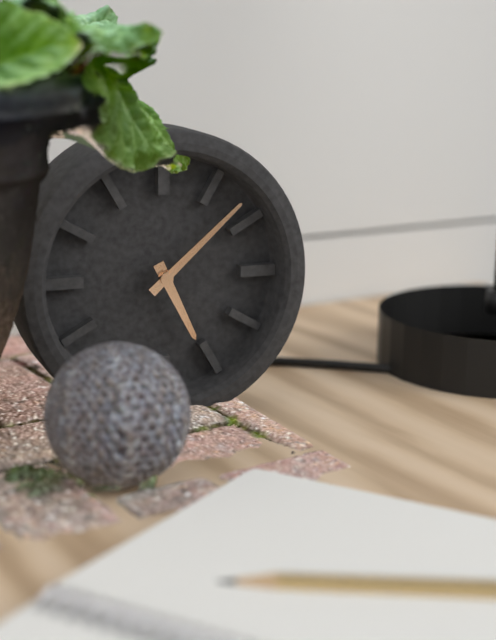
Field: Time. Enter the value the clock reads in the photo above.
5:08
